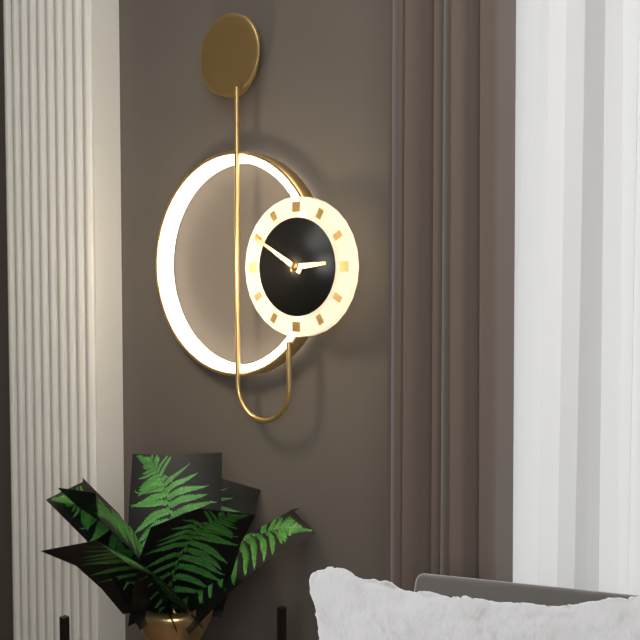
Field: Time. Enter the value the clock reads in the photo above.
2:50
